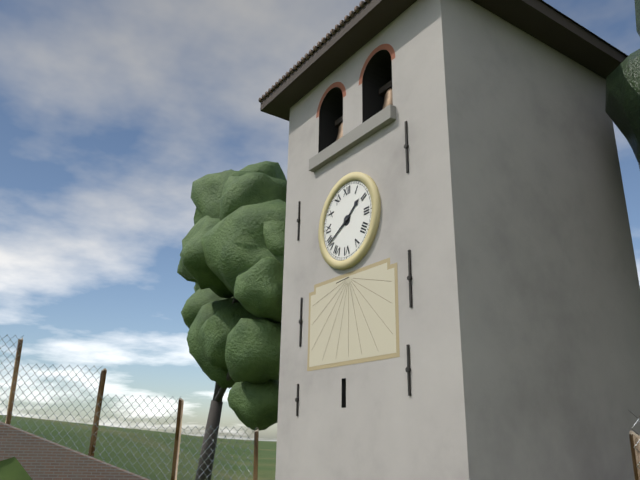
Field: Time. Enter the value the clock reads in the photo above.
1:40
